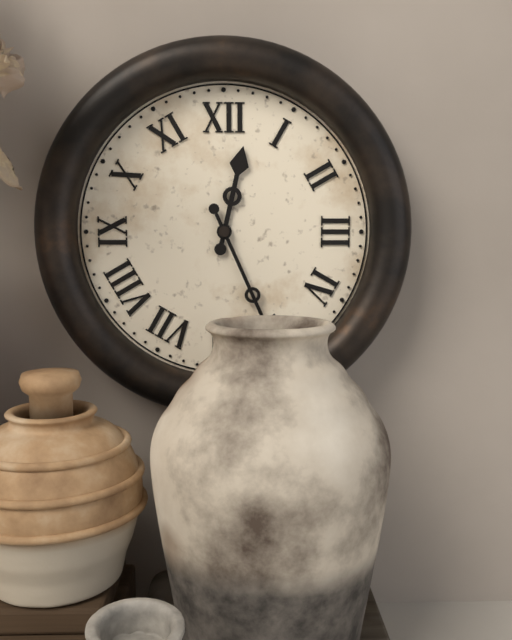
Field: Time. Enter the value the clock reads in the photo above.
12:26
